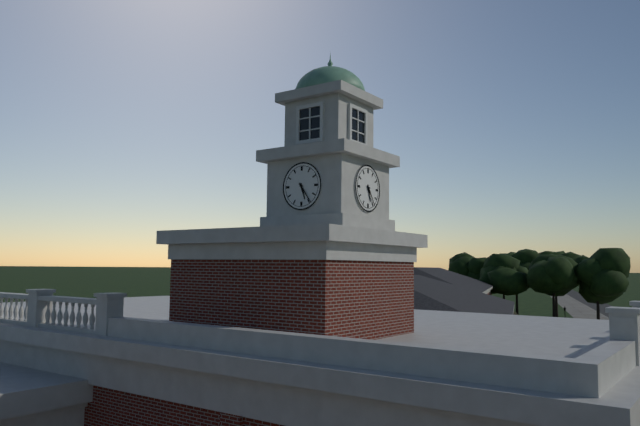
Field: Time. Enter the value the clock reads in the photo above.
5:24
